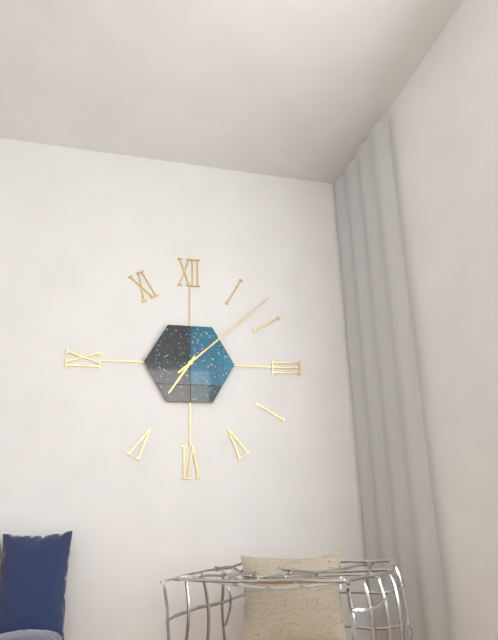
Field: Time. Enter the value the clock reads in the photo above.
7:08
